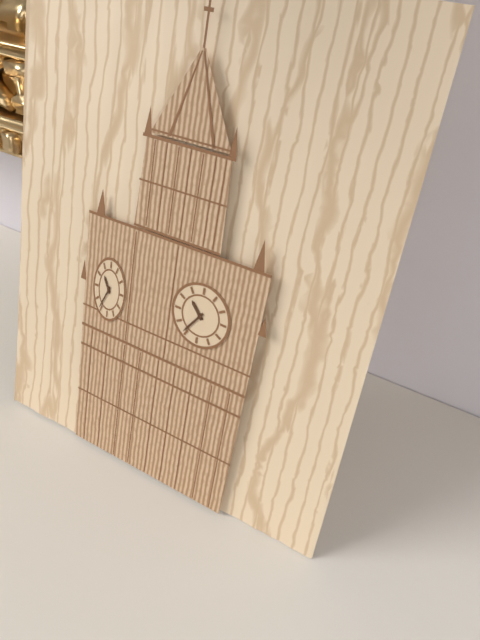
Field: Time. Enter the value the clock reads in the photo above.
10:36
